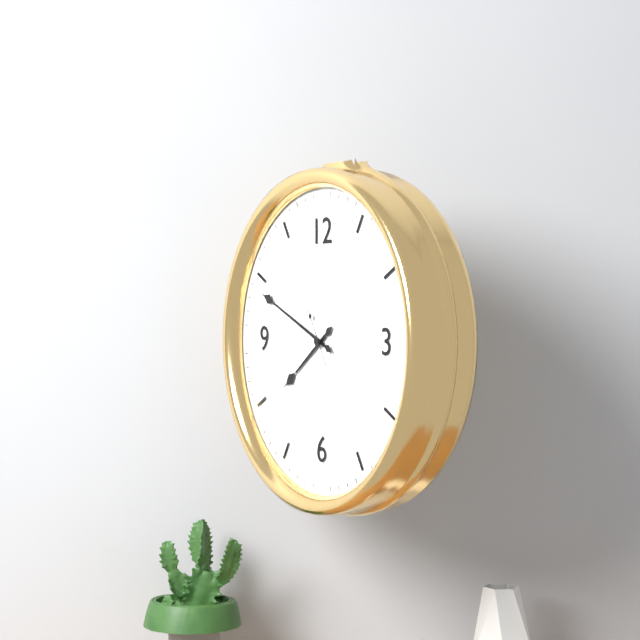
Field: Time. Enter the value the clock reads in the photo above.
7:49:25
